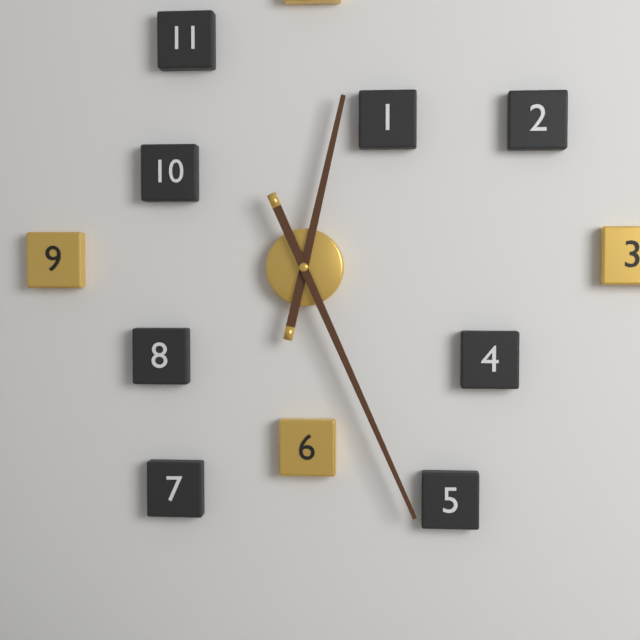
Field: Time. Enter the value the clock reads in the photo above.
12:26
